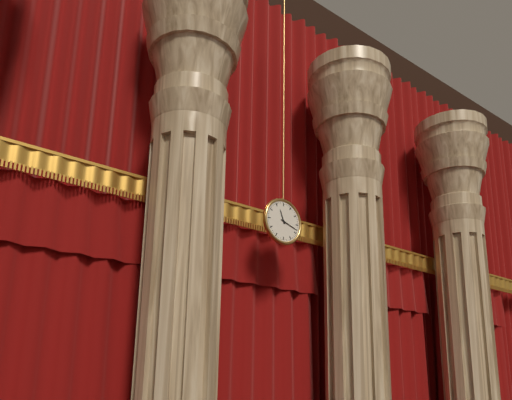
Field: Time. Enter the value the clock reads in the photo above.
11:18
